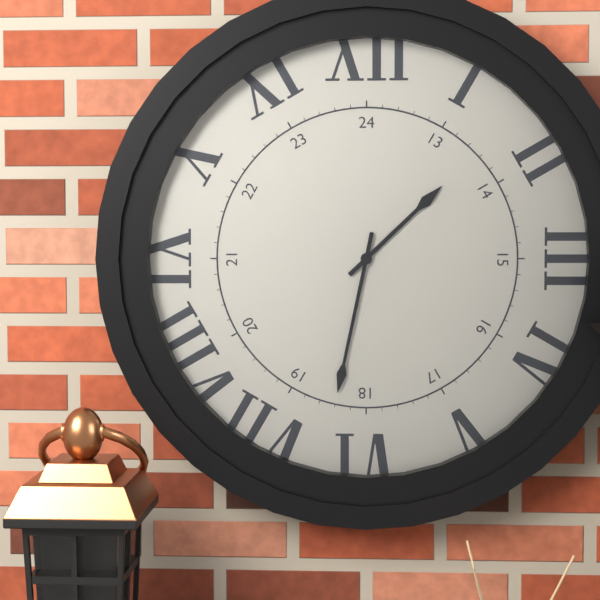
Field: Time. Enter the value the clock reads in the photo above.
1:32
